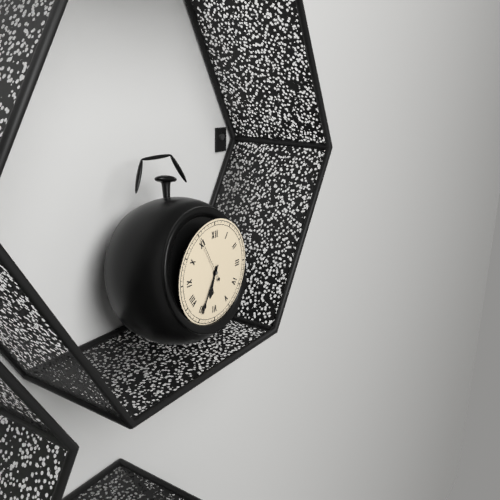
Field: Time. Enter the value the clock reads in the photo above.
6:35
